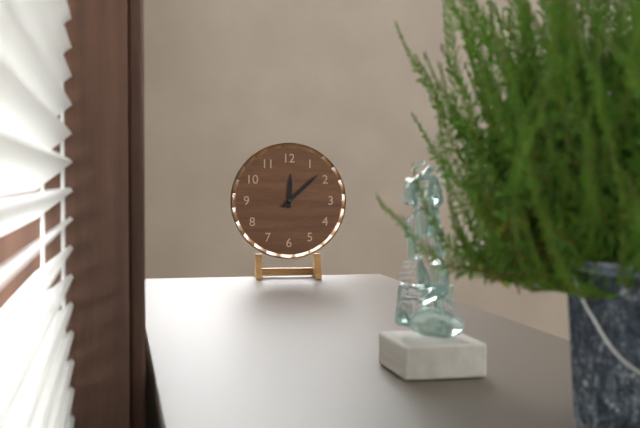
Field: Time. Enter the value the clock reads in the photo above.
12:08
